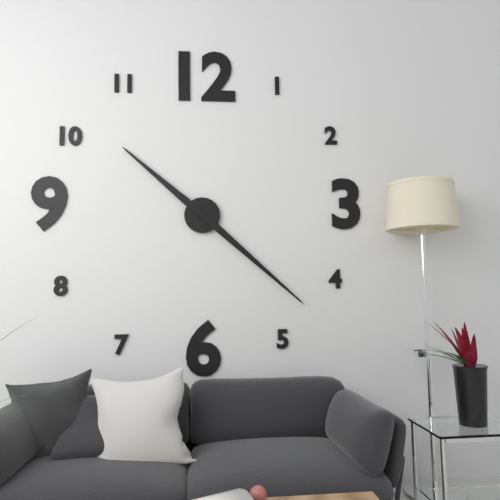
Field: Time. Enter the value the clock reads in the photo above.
10:22
